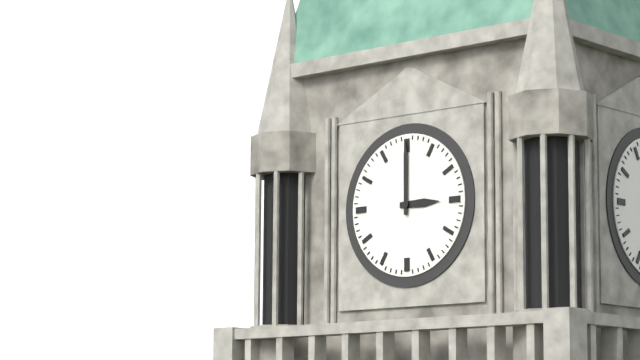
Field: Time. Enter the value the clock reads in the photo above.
3:00
